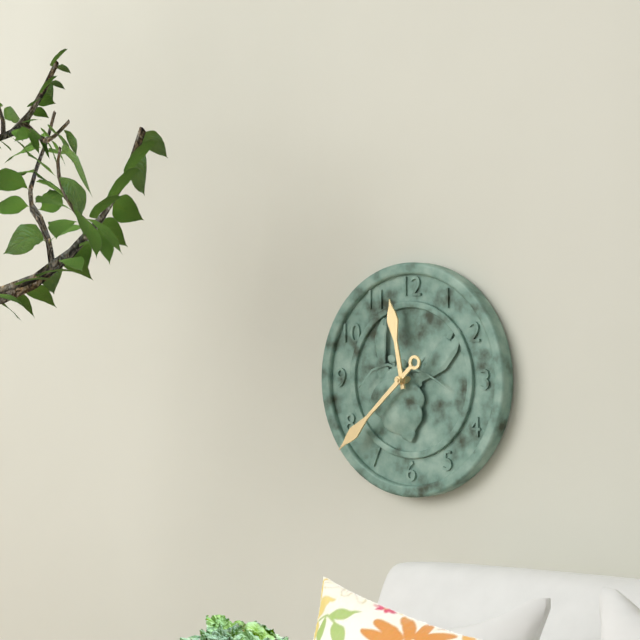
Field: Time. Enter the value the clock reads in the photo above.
11:38
